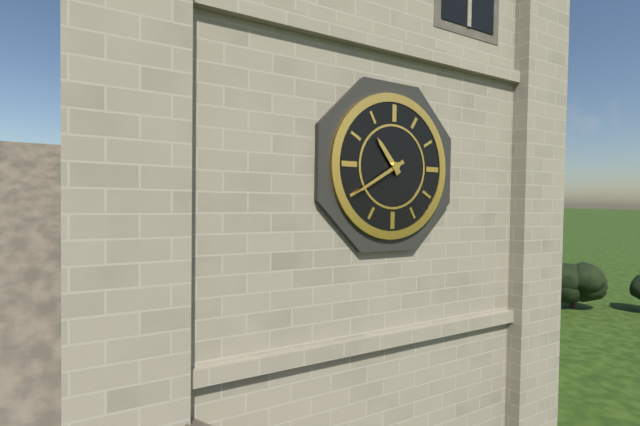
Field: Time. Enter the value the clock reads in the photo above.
10:40
